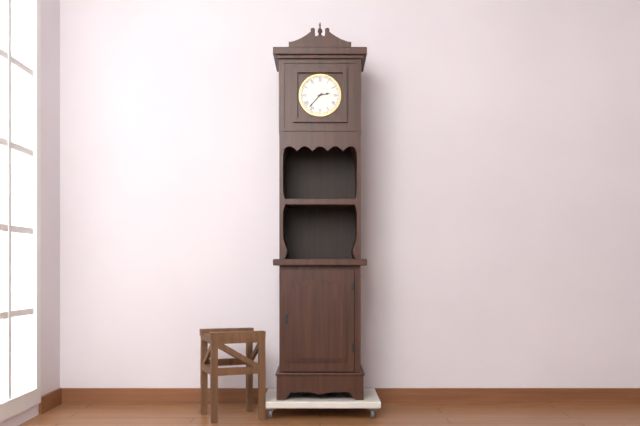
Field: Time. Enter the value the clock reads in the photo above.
2:37
